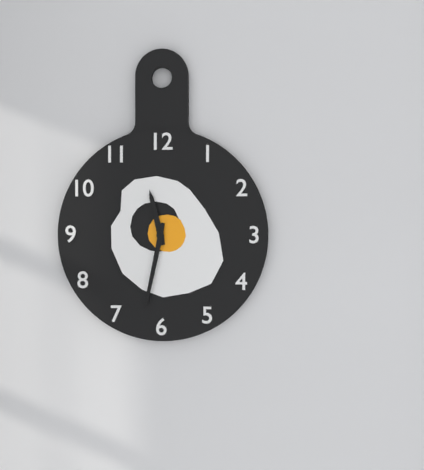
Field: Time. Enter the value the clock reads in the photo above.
11:32
